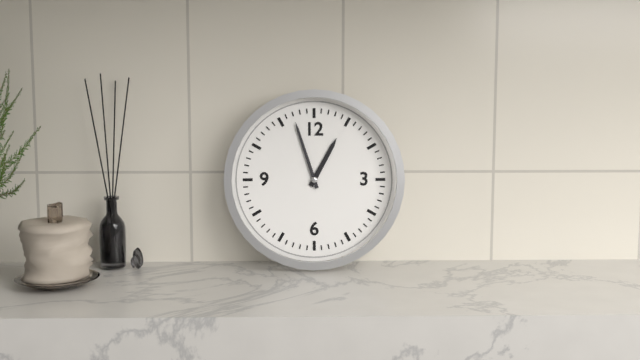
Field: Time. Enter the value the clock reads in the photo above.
12:57
